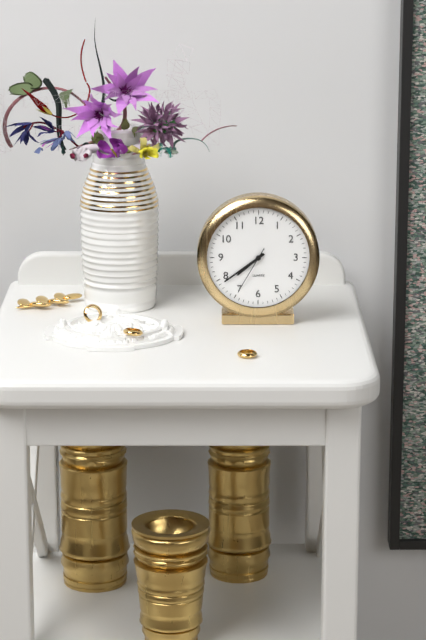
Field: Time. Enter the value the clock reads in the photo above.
7:39
